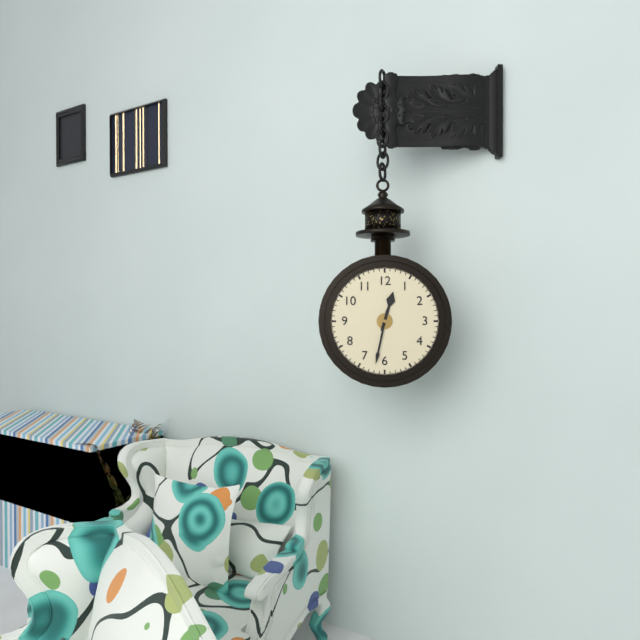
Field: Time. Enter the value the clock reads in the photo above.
12:32
